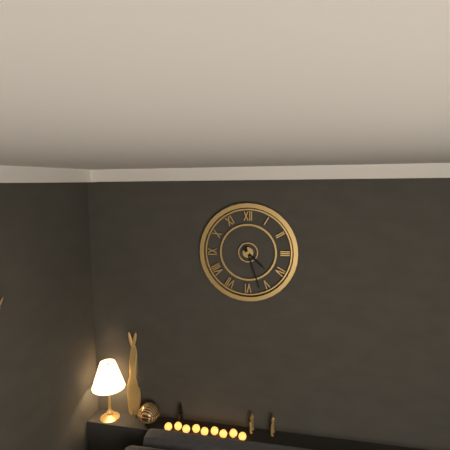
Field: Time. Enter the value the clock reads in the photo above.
4:27
